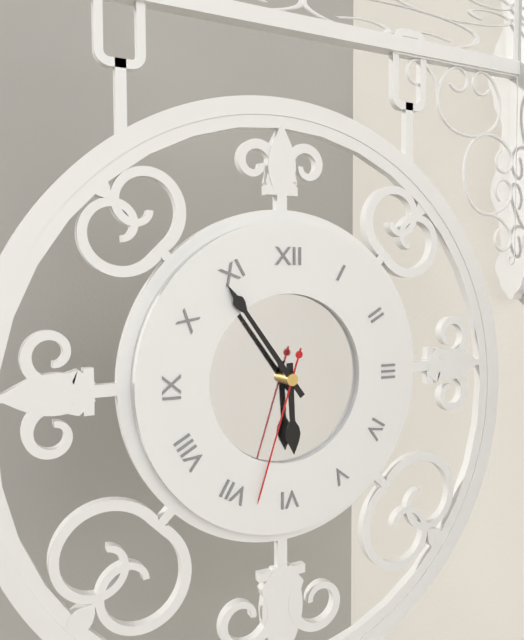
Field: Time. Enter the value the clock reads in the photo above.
5:54:33
